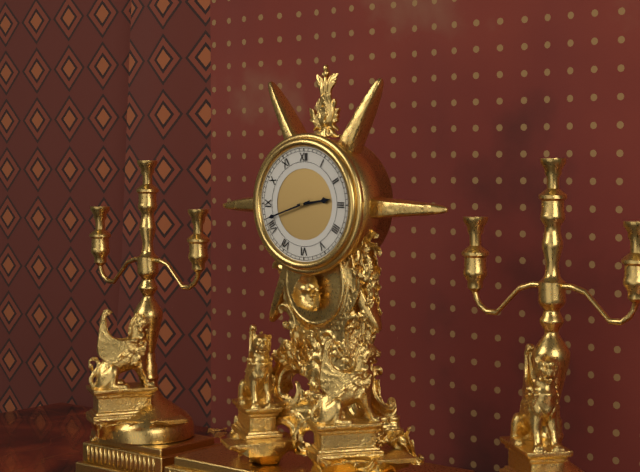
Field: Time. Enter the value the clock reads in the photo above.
2:42
